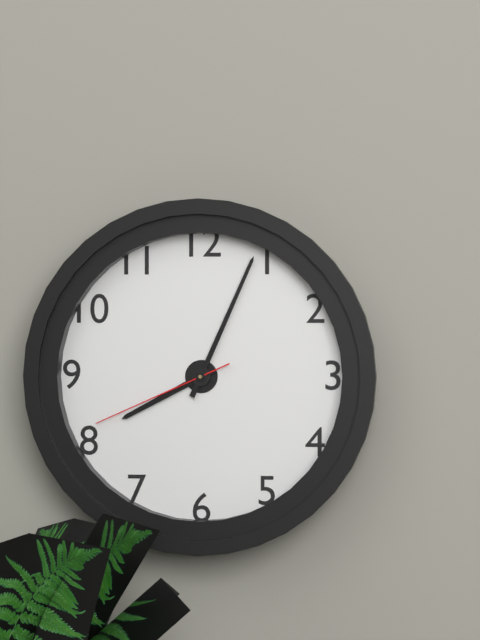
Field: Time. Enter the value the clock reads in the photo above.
8:04:41
